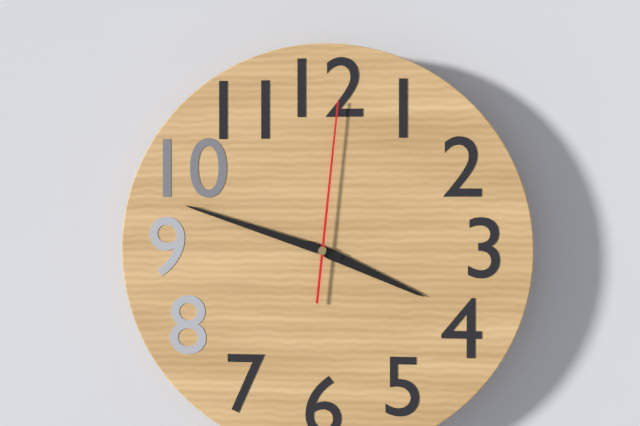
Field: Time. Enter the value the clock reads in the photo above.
3:48:01
